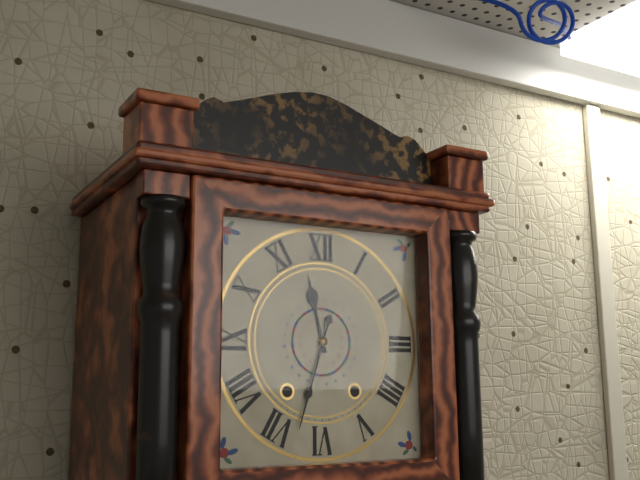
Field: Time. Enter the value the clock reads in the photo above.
11:33
